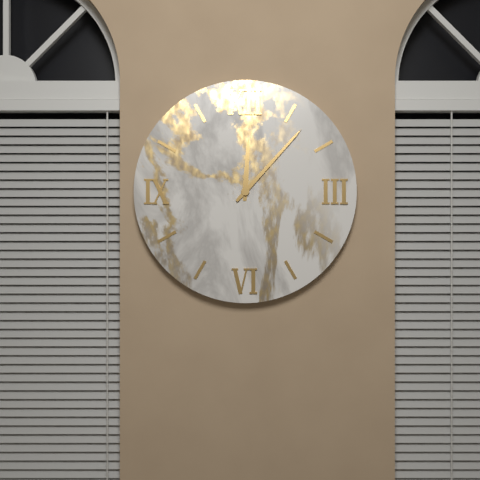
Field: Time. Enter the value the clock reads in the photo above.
12:07
